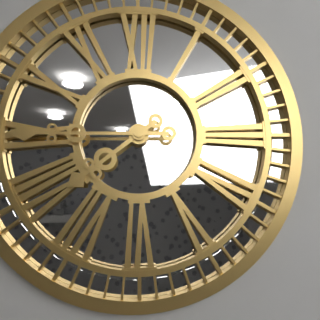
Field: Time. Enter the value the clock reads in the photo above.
7:45
